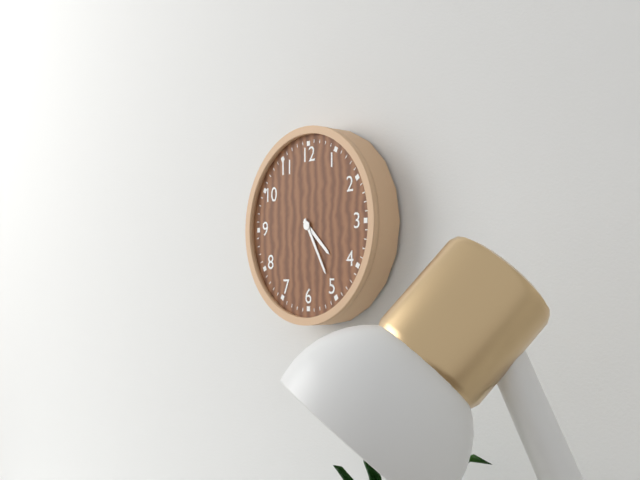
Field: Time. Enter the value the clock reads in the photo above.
4:25
